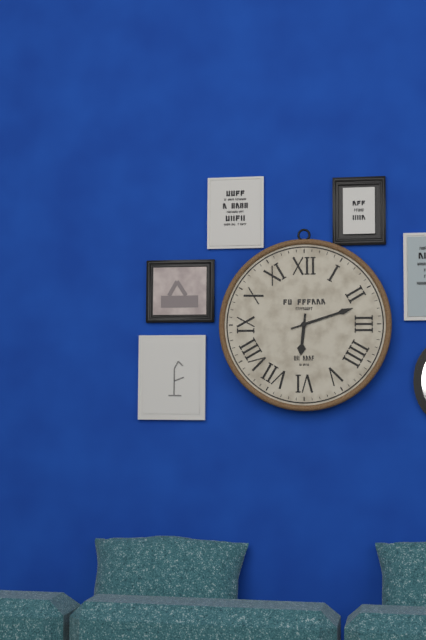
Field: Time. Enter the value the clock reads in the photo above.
6:12
